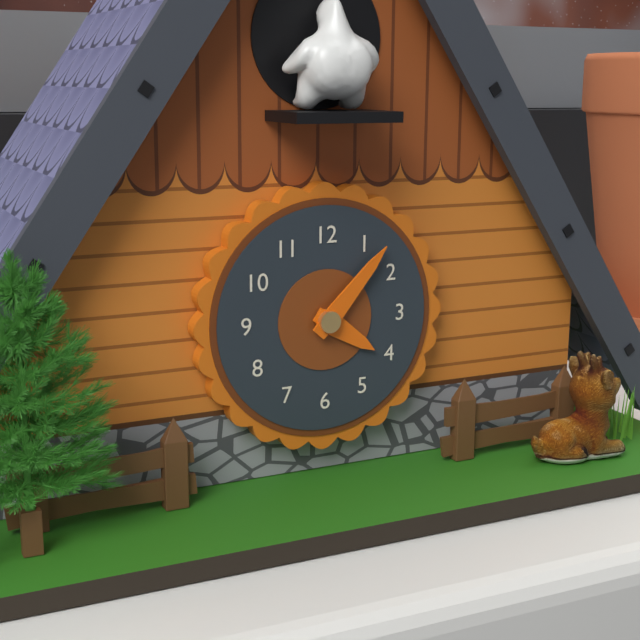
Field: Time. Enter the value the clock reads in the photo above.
4:07
